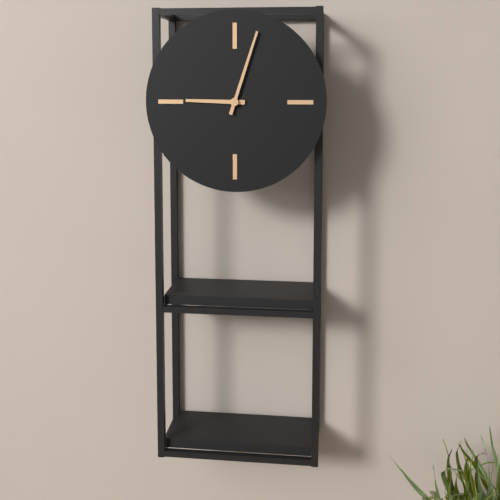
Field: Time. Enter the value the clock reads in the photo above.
9:03
